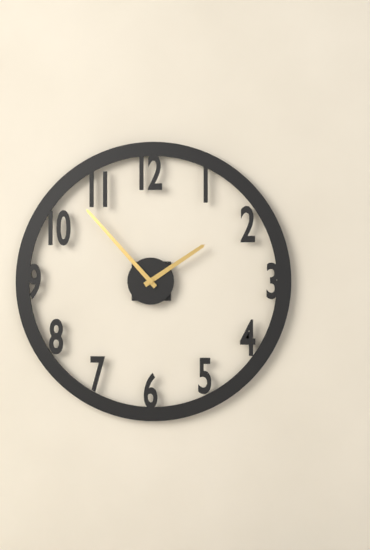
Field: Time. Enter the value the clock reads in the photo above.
1:53
